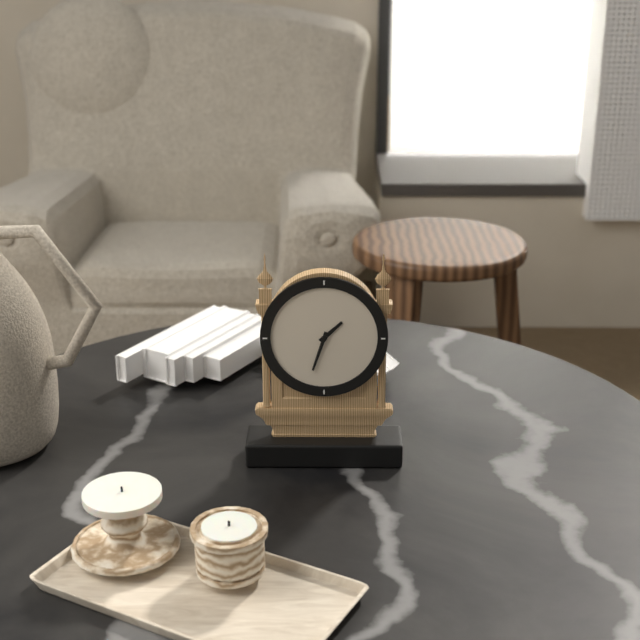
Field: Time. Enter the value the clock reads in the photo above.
1:33
